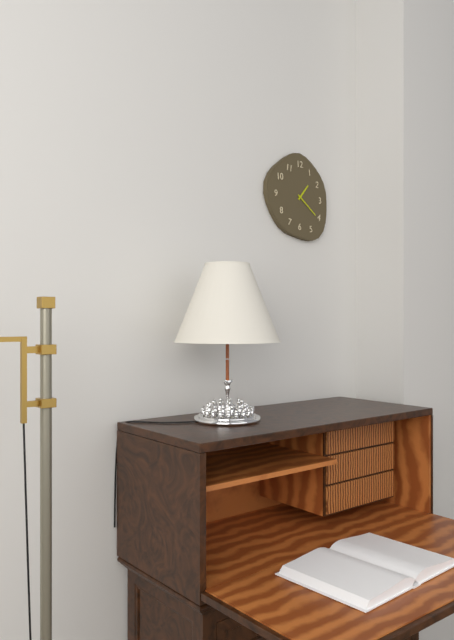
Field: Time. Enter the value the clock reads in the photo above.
1:21
